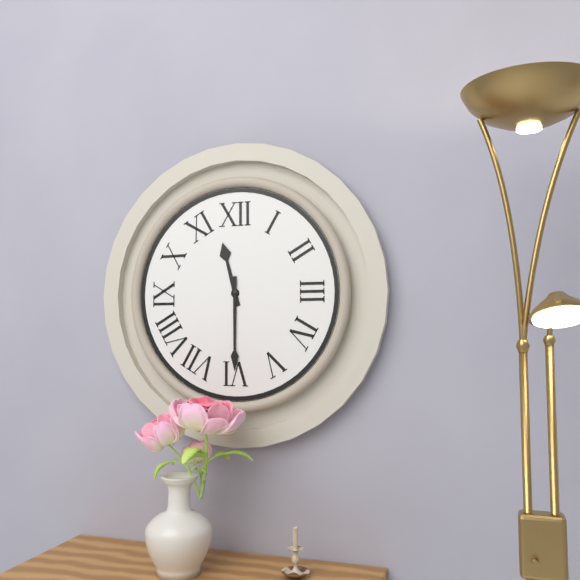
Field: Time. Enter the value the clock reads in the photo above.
11:30
